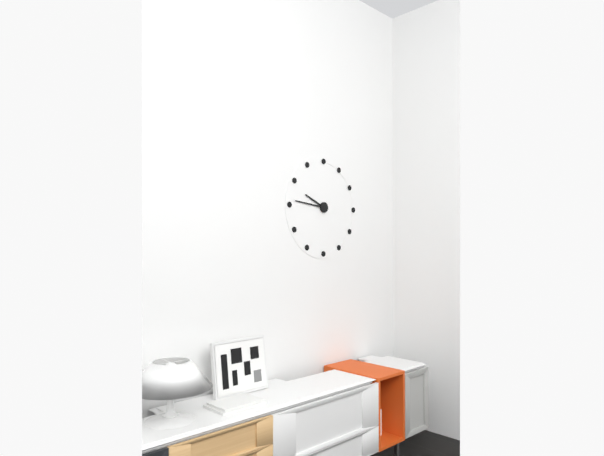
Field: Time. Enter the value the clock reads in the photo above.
9:46
